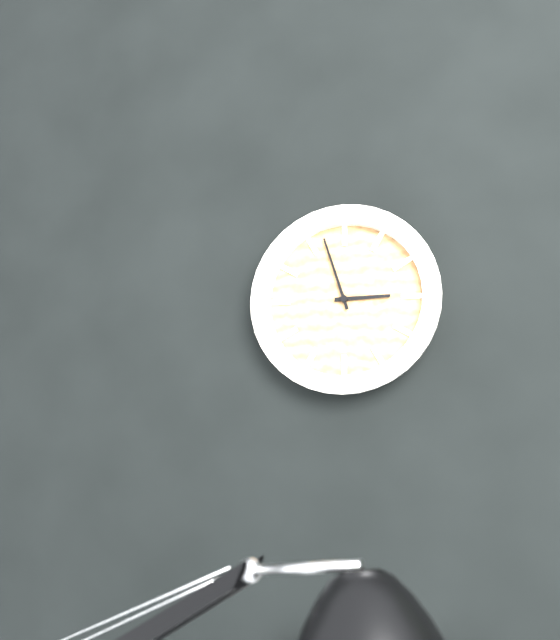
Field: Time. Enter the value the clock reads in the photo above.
2:57
